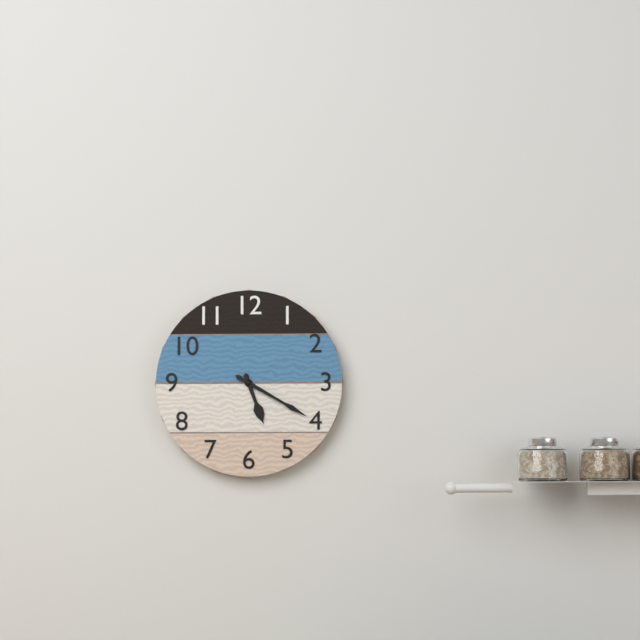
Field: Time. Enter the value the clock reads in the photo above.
5:20
